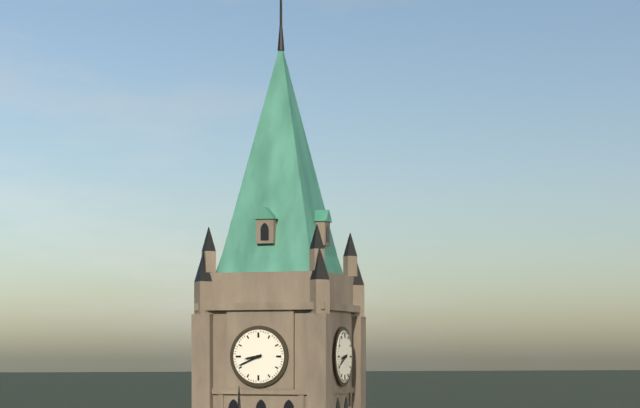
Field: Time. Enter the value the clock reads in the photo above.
8:41
